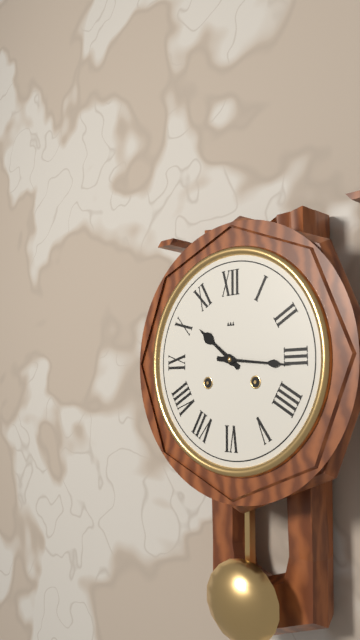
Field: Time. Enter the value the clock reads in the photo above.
10:16
